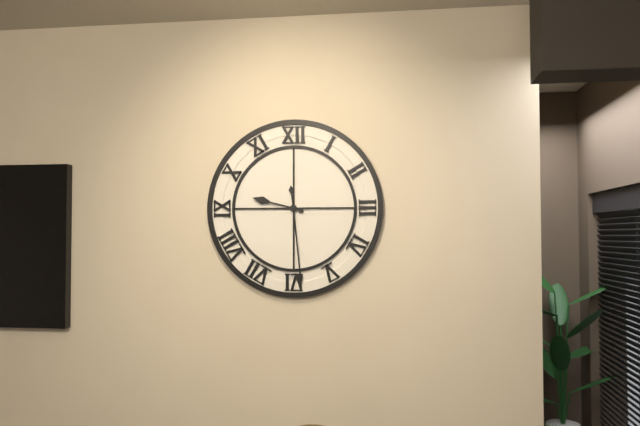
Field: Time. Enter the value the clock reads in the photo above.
9:29
